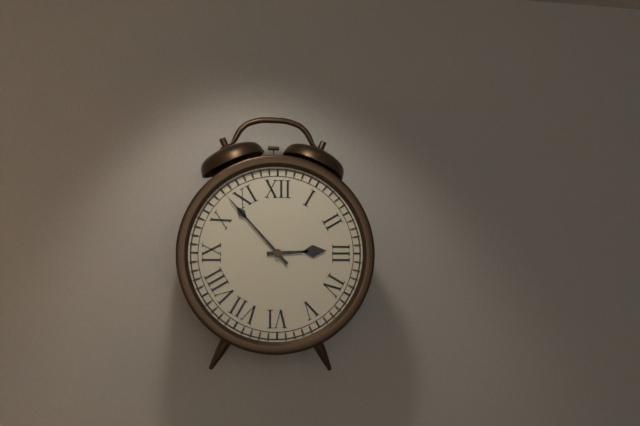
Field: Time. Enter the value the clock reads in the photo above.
2:53
